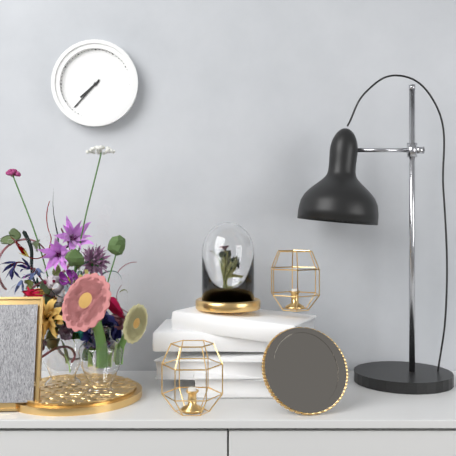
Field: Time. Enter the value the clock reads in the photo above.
7:37
